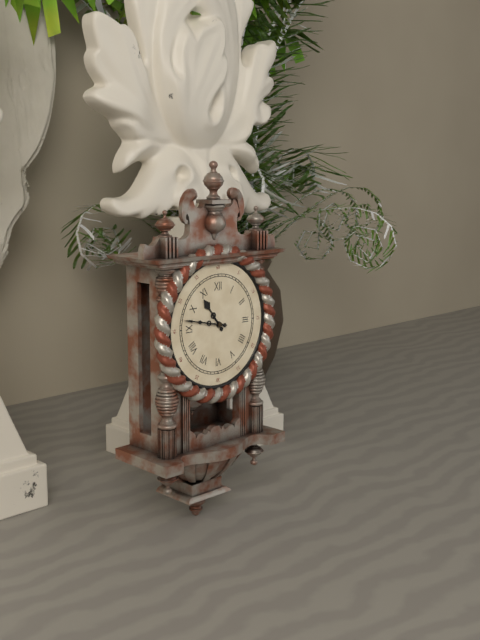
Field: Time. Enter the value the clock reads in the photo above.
10:47
